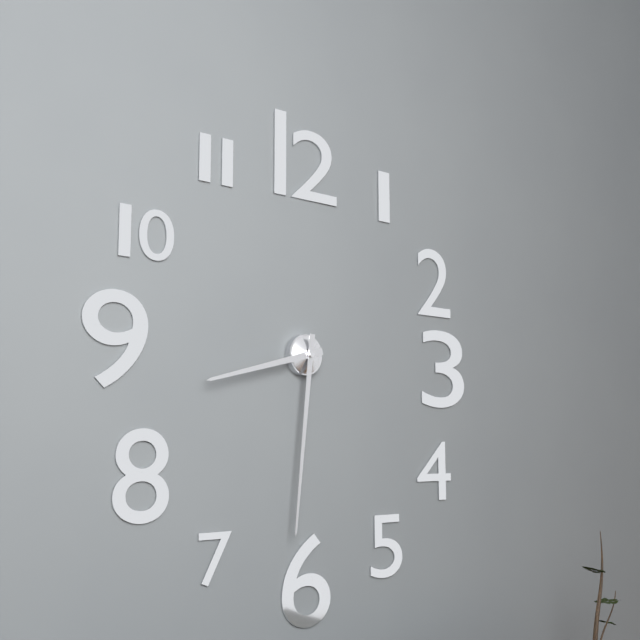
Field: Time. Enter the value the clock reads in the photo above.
8:31
